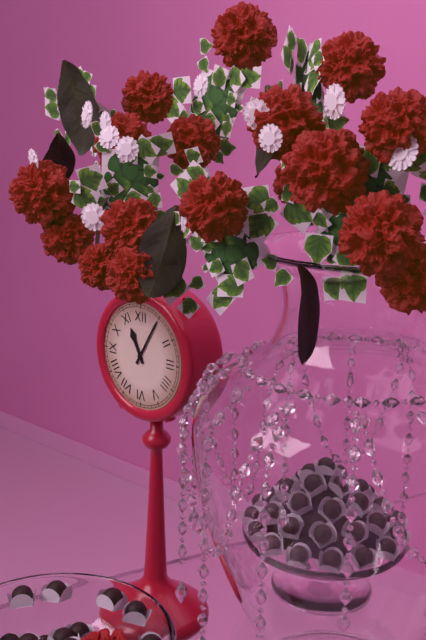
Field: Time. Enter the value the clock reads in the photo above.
11:05
